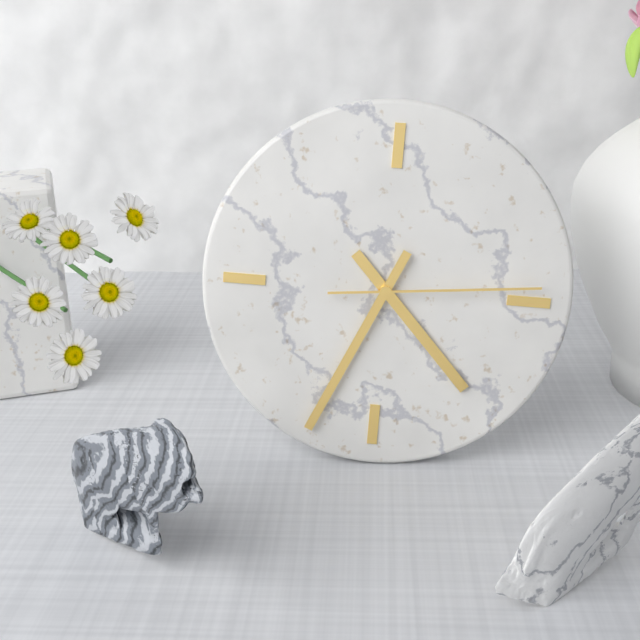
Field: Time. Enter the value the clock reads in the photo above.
4:34:14
